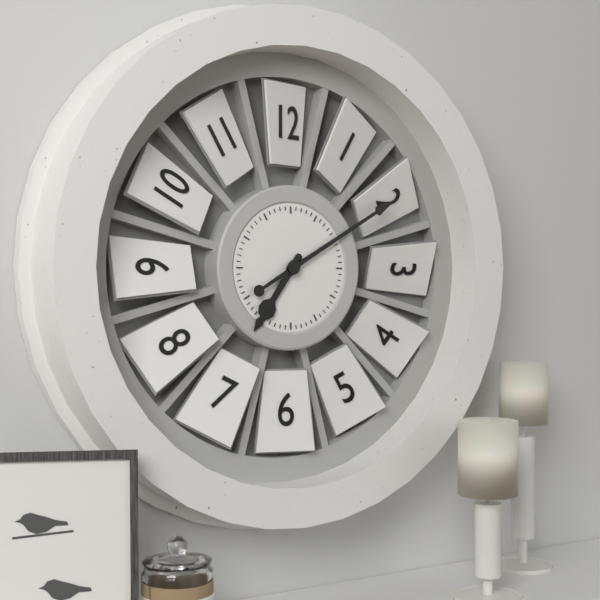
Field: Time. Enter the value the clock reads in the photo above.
7:10
